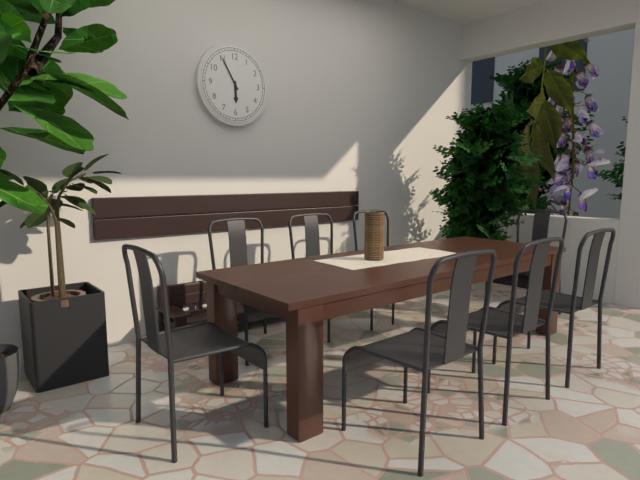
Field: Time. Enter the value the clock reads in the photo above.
5:55
